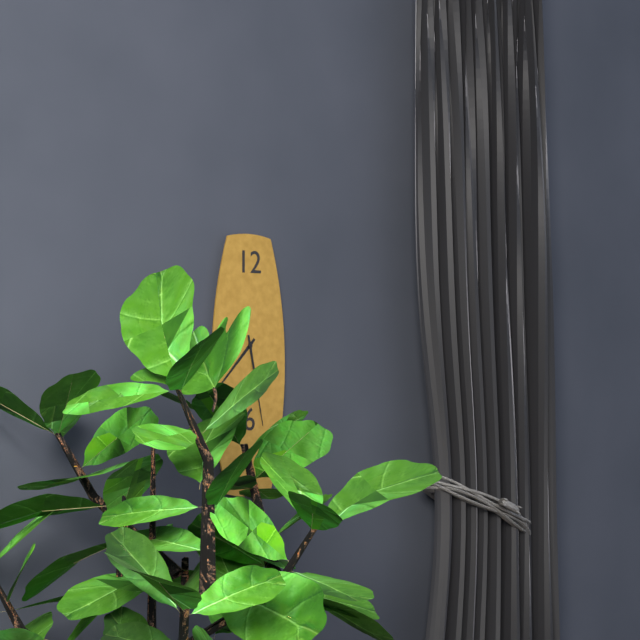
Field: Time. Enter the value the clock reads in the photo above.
7:28
